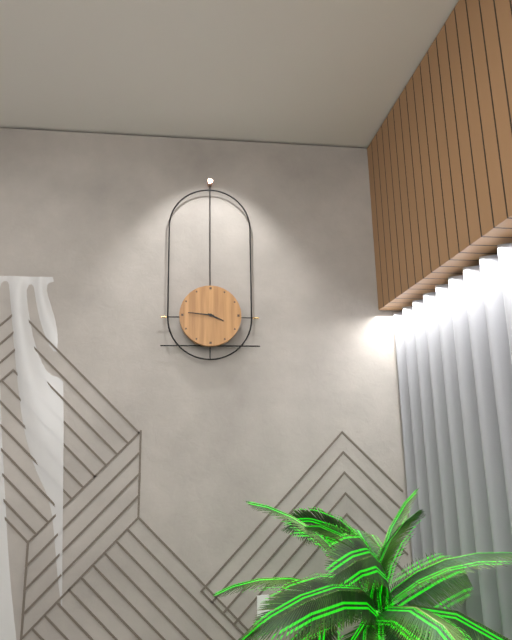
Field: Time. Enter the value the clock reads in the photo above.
3:46
